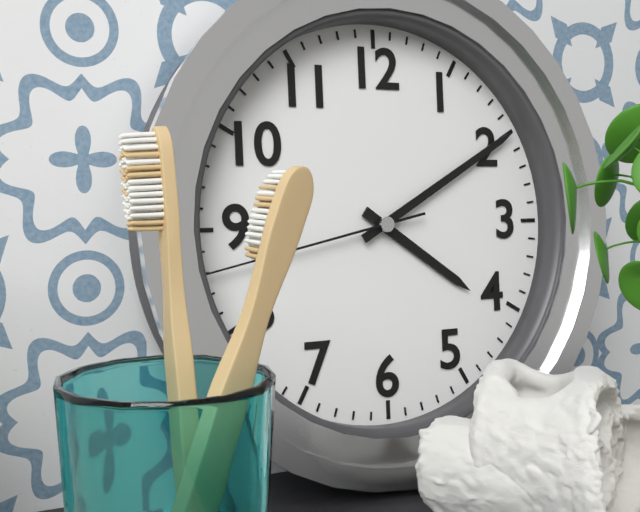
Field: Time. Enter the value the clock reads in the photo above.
4:10
